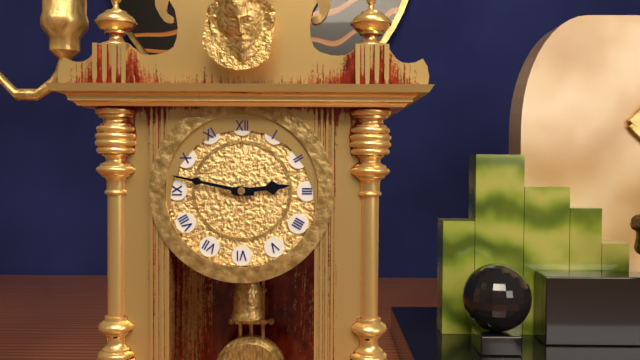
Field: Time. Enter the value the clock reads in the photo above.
2:47
